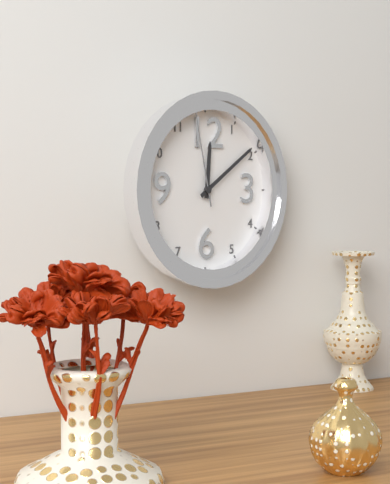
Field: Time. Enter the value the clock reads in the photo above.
12:09:58
